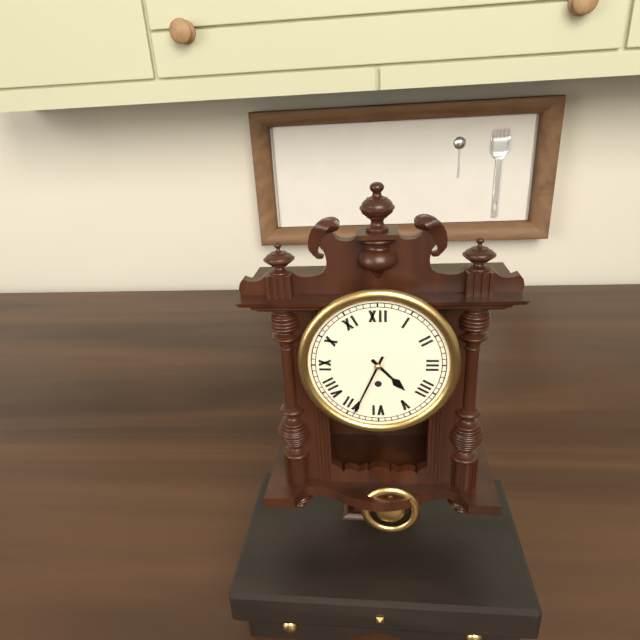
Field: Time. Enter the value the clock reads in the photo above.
4:34
